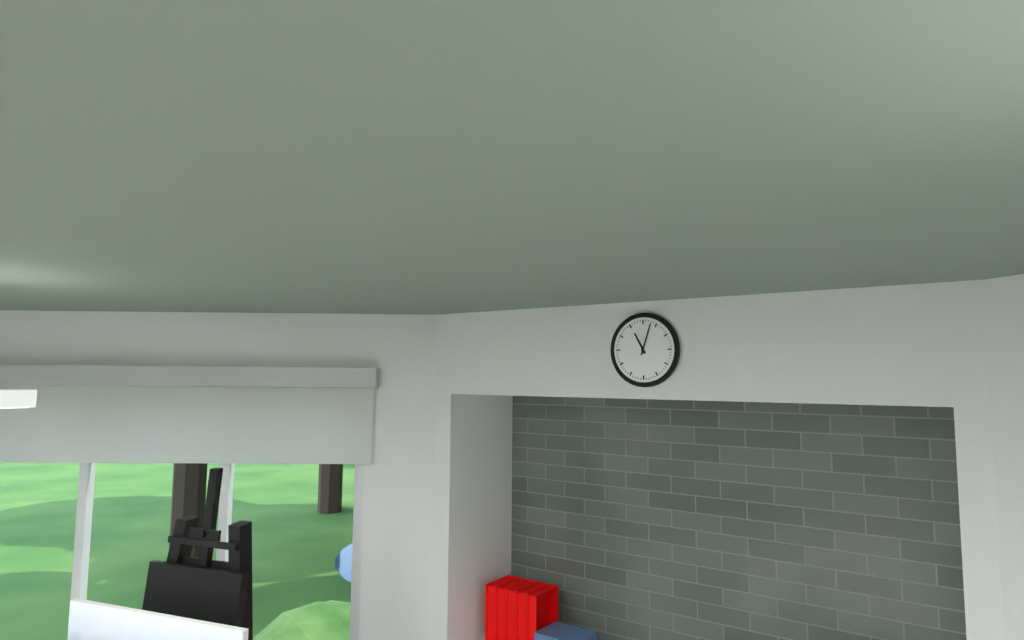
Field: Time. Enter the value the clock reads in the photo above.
11:03
